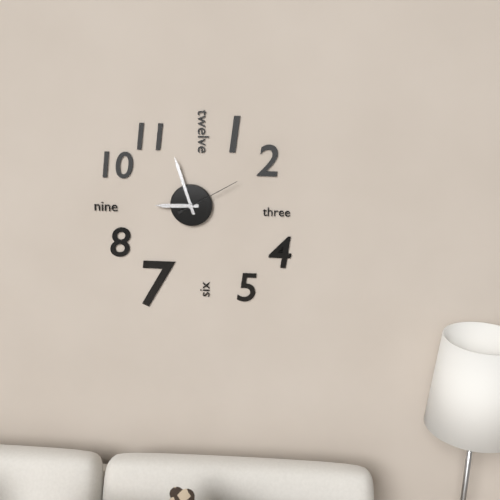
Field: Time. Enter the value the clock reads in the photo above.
8:57:10
